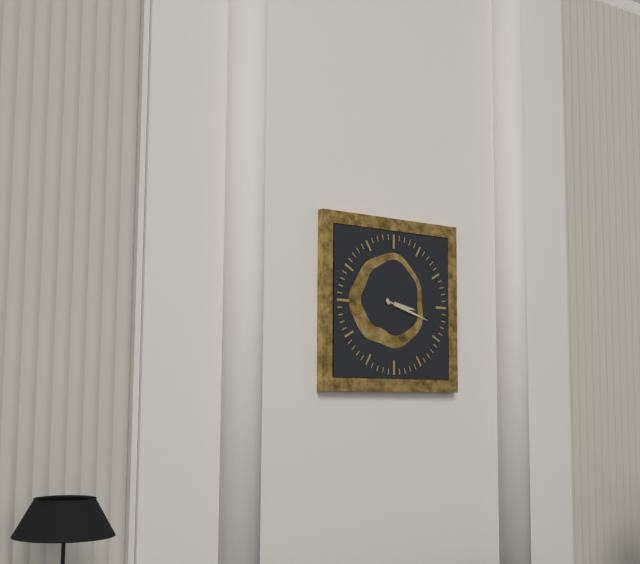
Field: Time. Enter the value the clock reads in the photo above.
3:18
